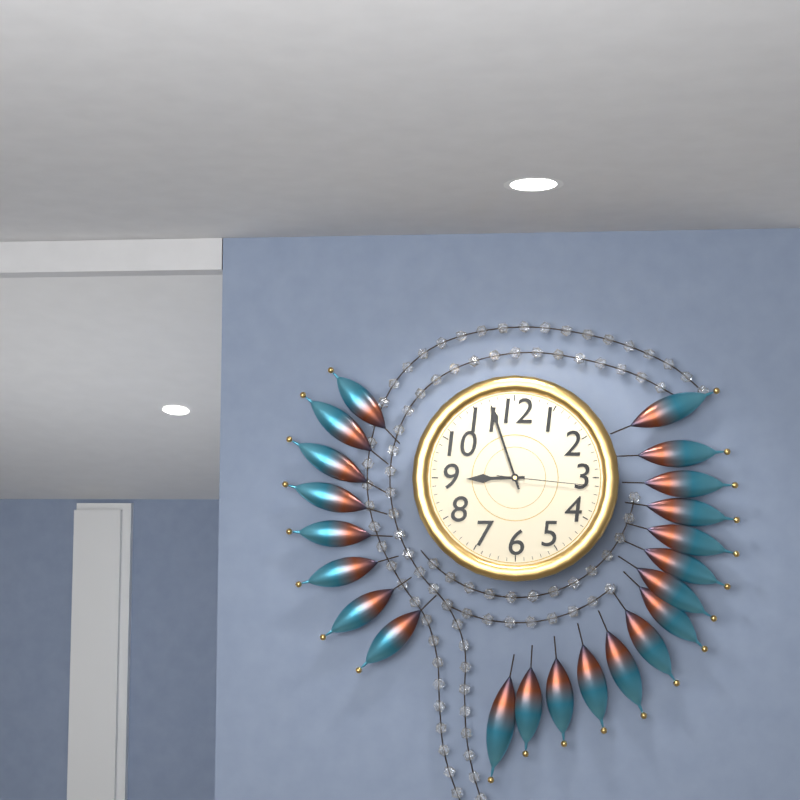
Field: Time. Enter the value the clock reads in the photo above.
8:57:16
